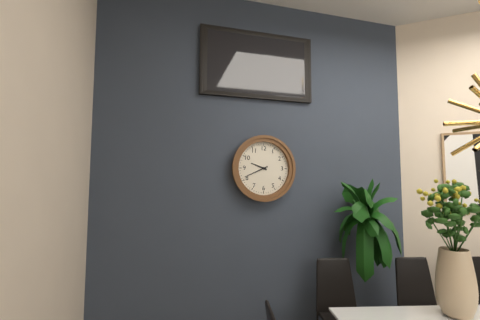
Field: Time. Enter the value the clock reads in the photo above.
9:41
